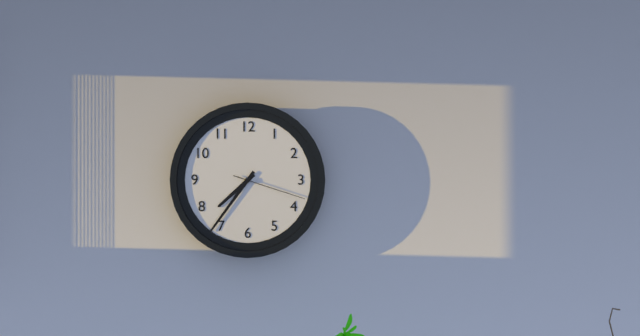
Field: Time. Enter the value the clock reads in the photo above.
7:36:18
